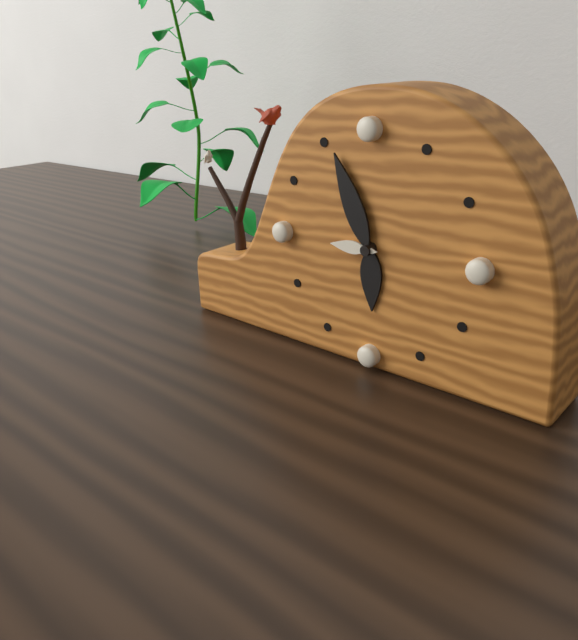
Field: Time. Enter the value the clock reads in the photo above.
5:56
